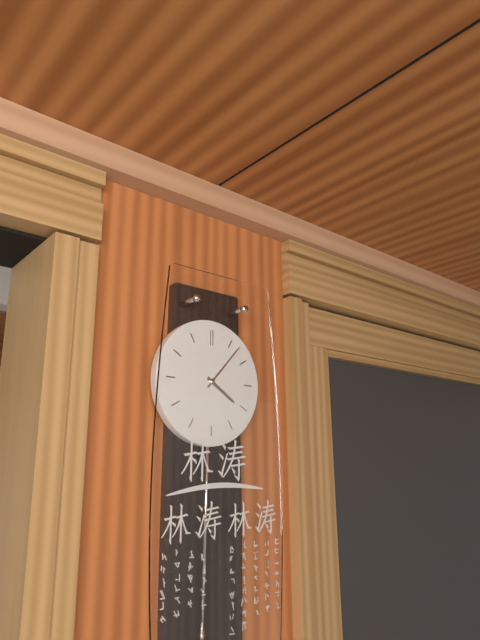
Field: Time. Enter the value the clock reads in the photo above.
4:07
